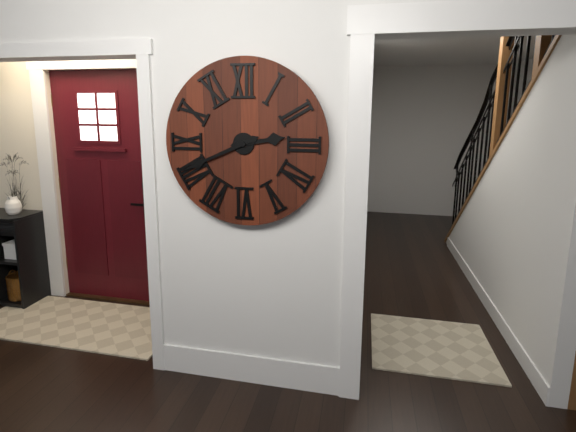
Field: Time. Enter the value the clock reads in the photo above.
2:41
